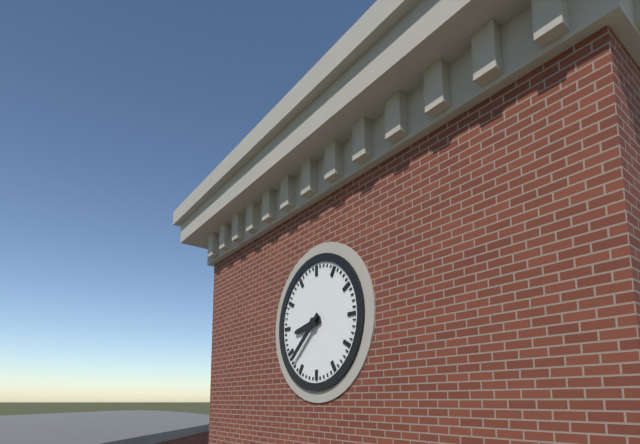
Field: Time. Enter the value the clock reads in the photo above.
8:38
